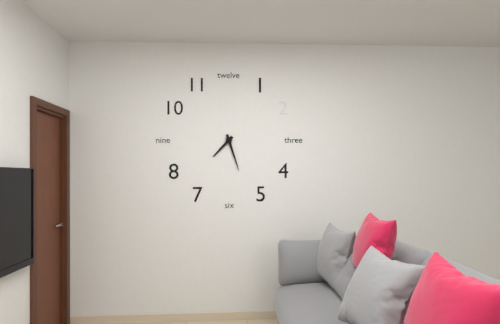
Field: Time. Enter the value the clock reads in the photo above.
7:27
